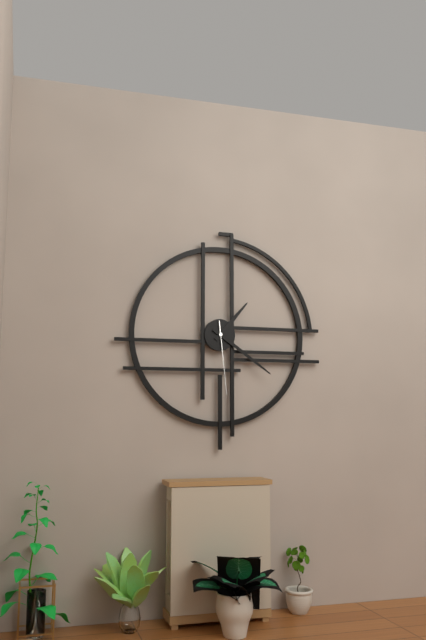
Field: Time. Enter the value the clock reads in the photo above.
1:21:29
